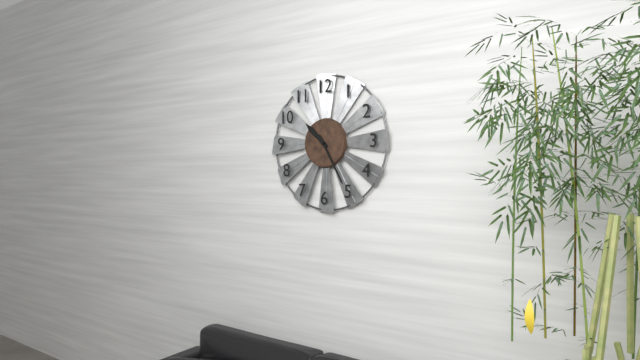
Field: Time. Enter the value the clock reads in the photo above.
10:25
